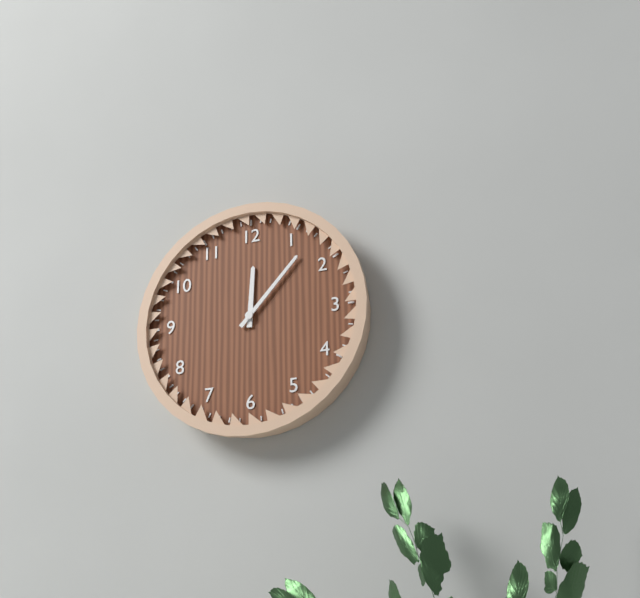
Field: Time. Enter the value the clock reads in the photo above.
12:07
